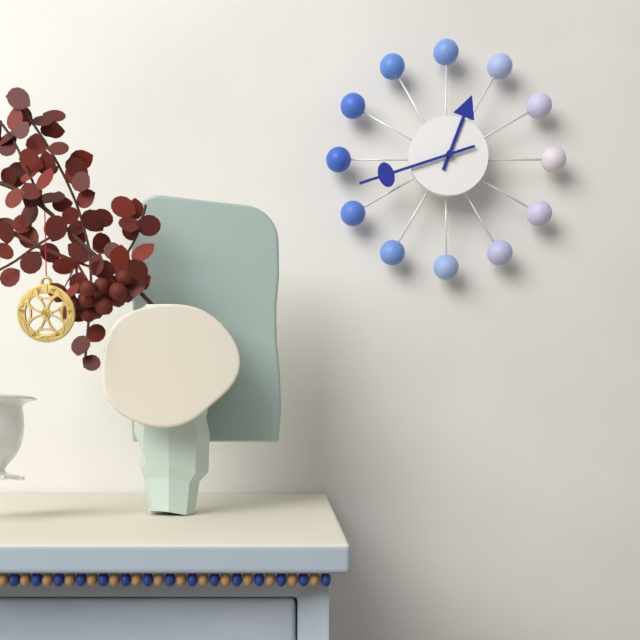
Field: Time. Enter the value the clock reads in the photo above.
12:42
